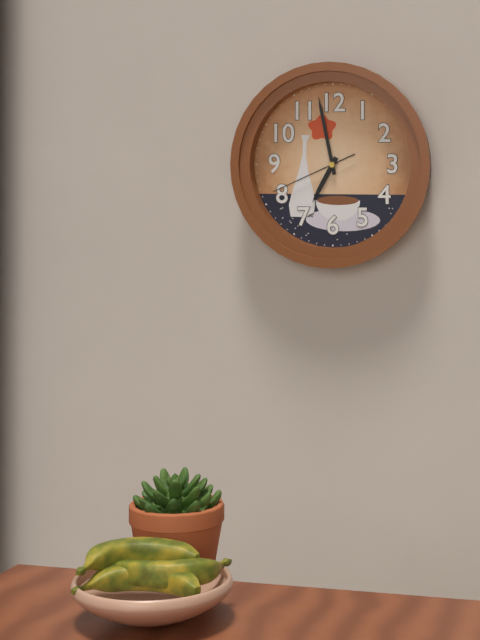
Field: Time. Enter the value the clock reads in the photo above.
6:58:41
